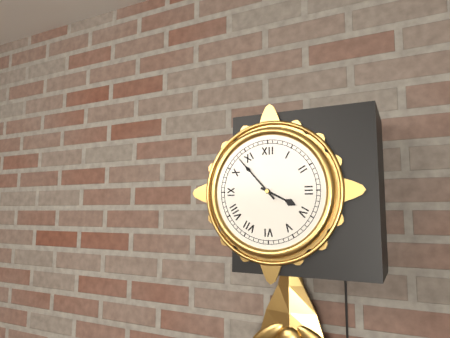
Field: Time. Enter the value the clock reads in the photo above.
3:53
